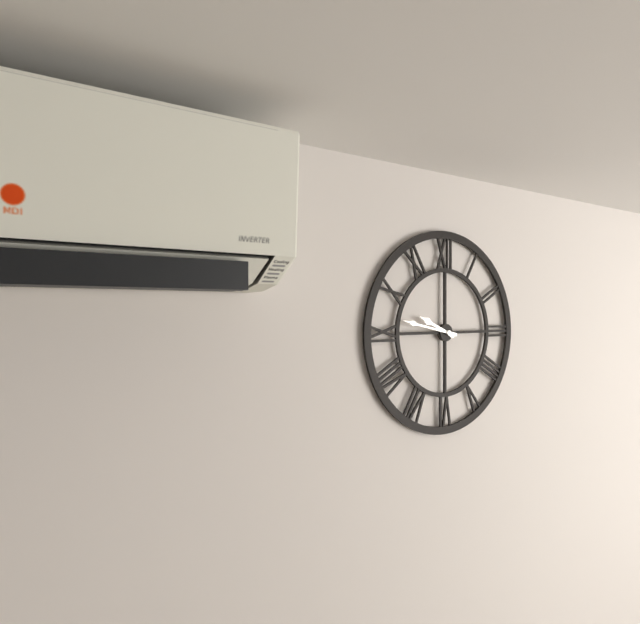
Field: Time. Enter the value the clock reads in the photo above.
9:47
